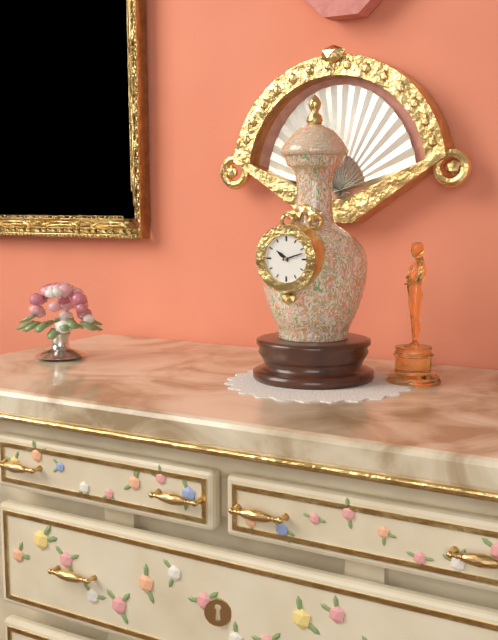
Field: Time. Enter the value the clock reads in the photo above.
10:12
